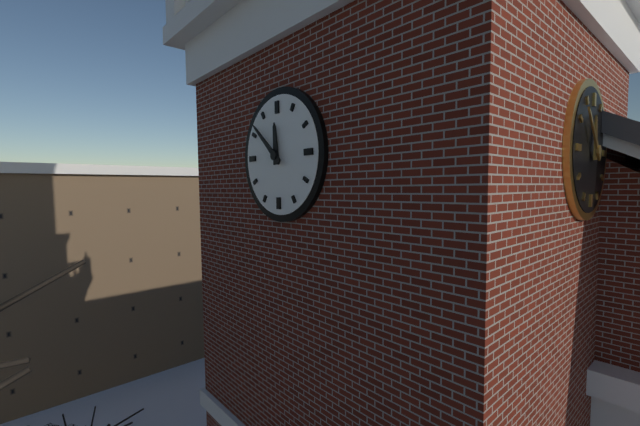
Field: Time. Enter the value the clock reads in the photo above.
11:52
